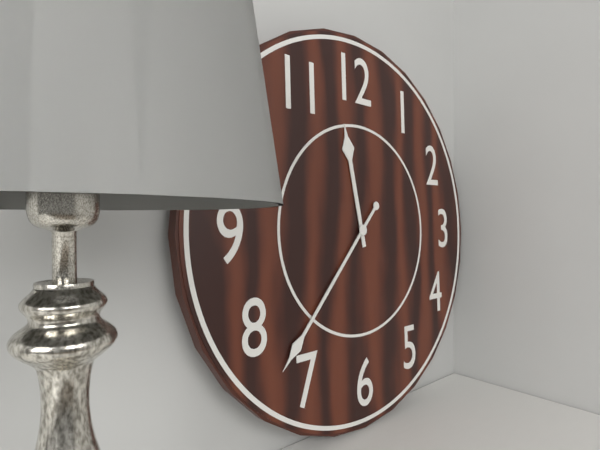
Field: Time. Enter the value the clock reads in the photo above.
11:37
